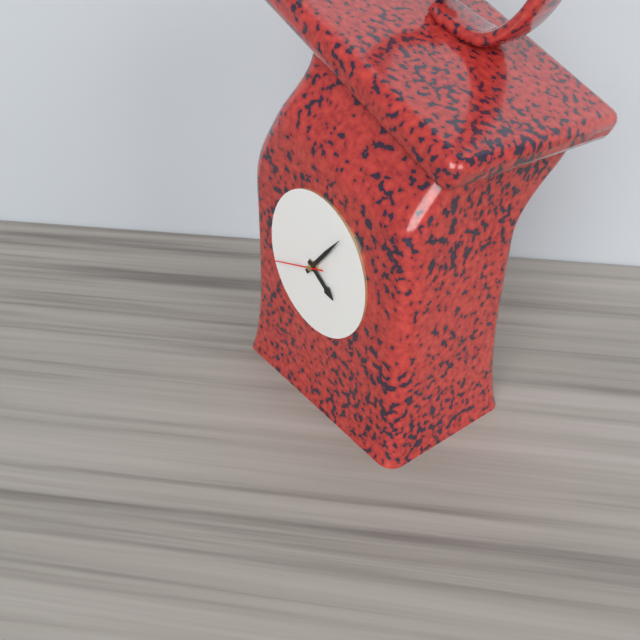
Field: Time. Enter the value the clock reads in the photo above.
4:07
